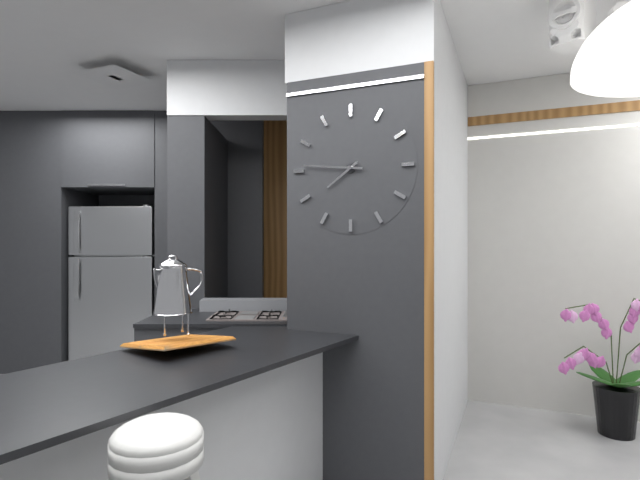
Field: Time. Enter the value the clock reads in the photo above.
7:46
